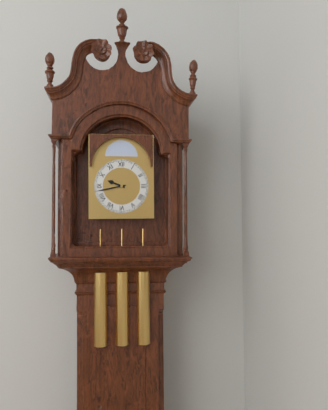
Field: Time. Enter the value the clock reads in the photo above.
9:43
